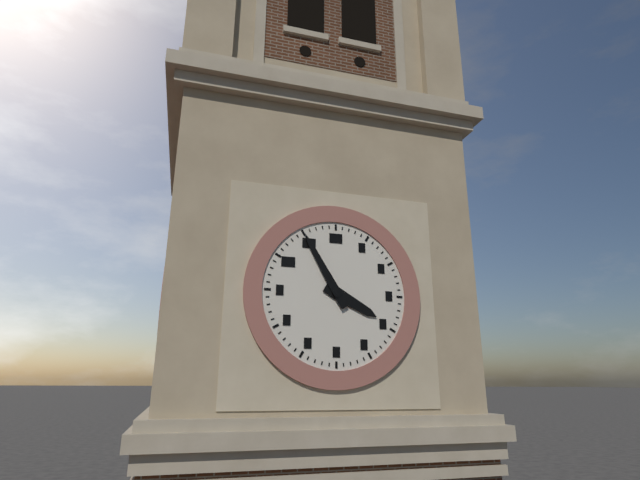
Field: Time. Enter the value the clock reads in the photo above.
3:55
